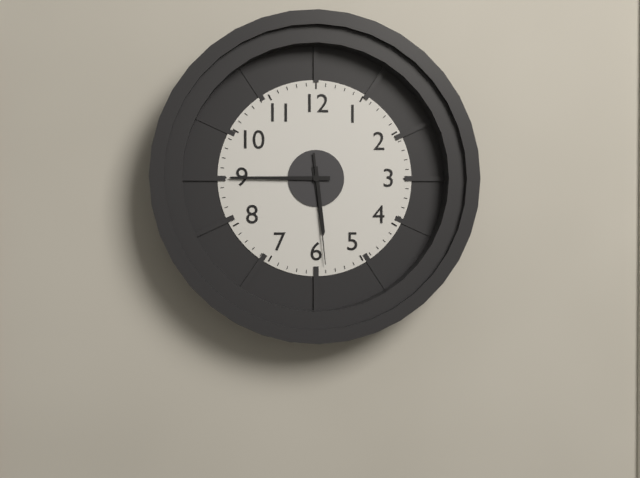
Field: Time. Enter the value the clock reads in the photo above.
5:45:29
